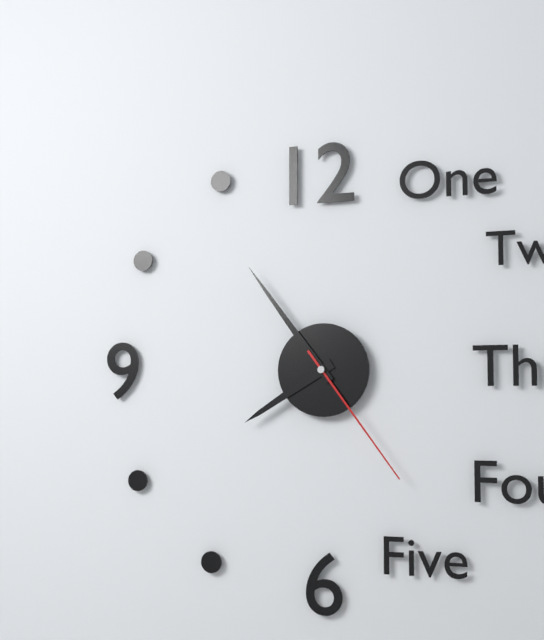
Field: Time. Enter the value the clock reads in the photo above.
7:54:24
